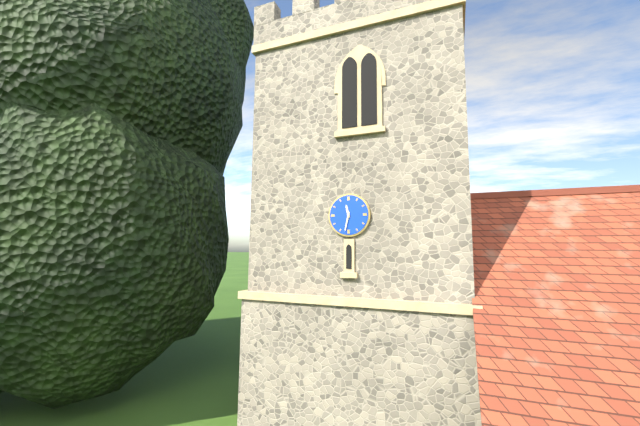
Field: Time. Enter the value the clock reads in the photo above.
11:32
